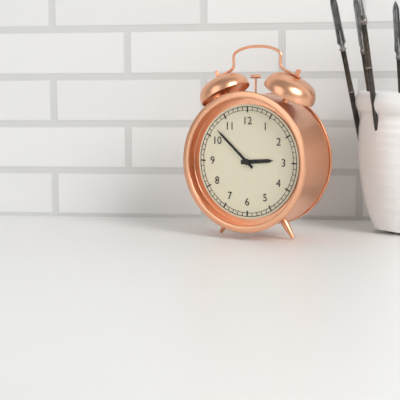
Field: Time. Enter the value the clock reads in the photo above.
2:52
